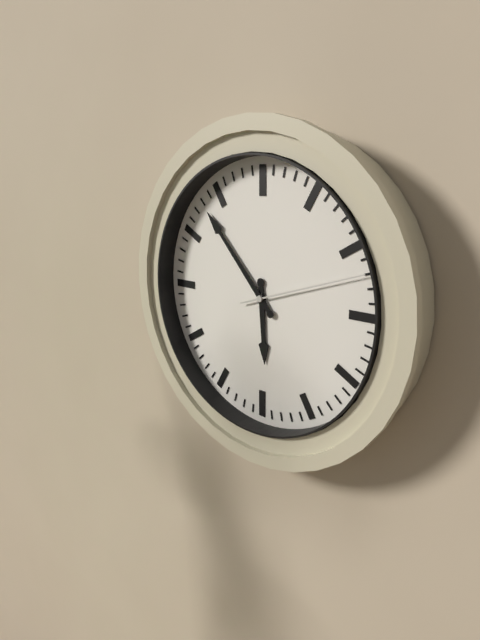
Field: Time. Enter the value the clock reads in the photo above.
5:53:12
